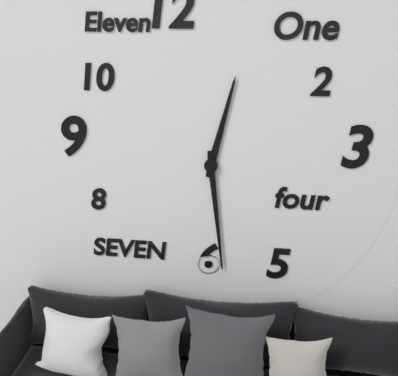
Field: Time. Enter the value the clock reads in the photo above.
12:29
